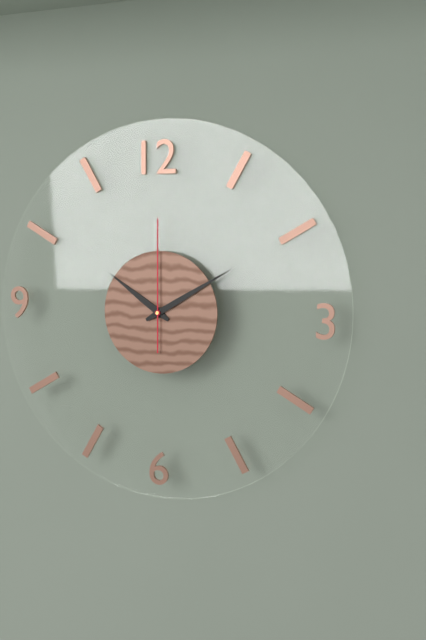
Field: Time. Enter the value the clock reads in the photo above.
10:10:00
